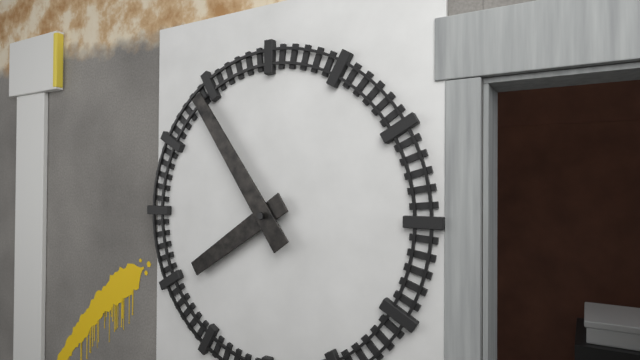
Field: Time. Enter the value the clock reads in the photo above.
7:54
